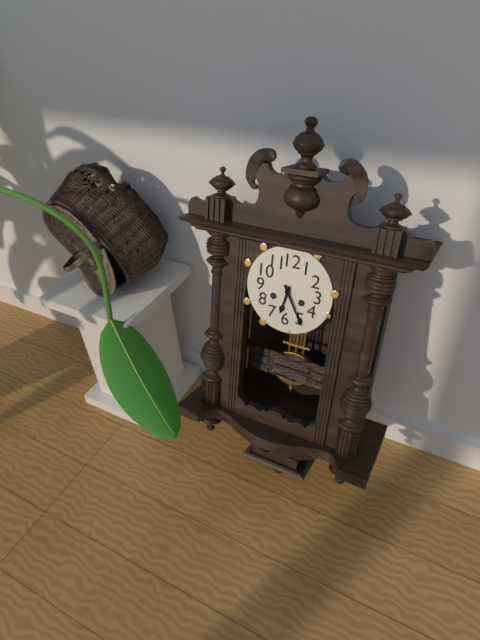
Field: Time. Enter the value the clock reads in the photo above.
6:25
